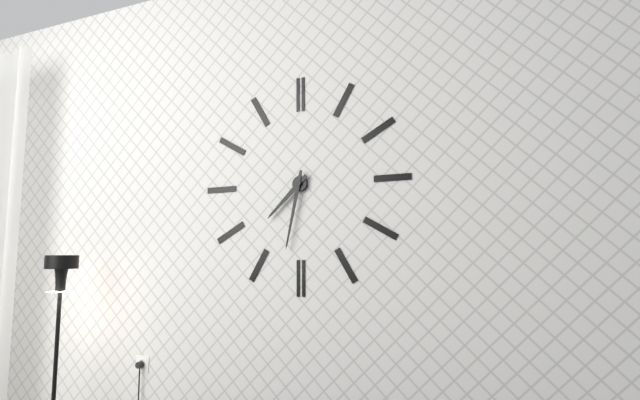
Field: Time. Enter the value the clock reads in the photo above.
7:32
